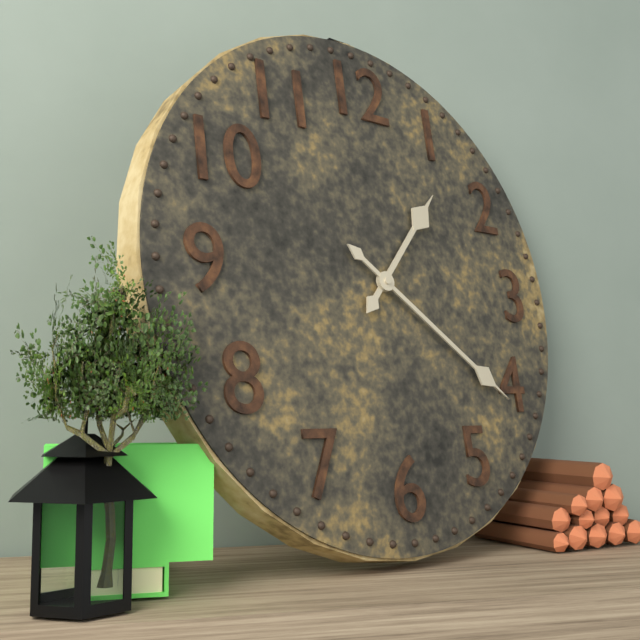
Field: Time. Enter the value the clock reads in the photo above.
1:21
